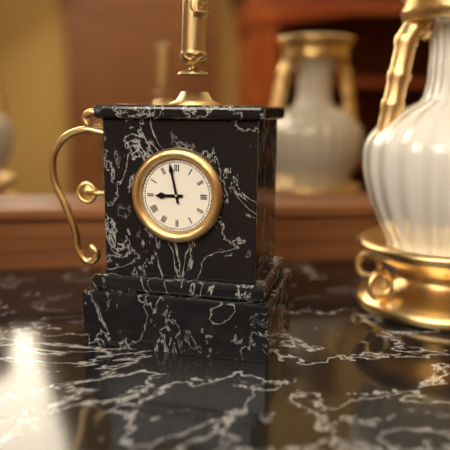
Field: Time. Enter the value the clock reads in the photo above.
8:58
